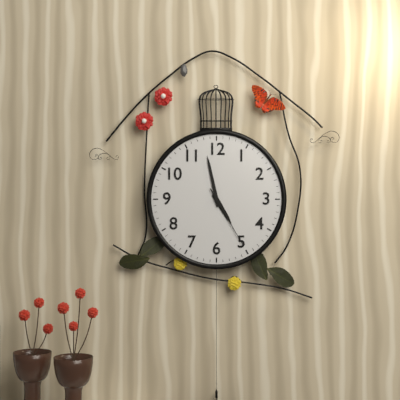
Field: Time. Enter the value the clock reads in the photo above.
4:58:25
